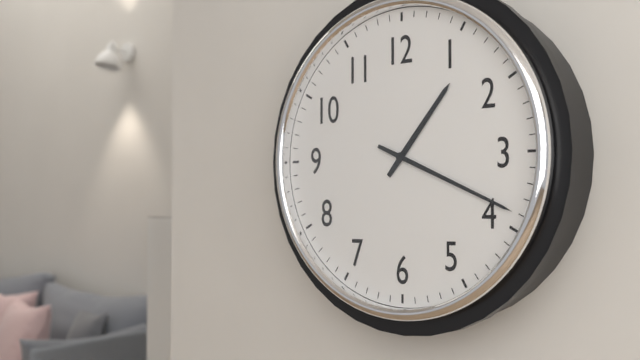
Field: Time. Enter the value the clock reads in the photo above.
1:19
